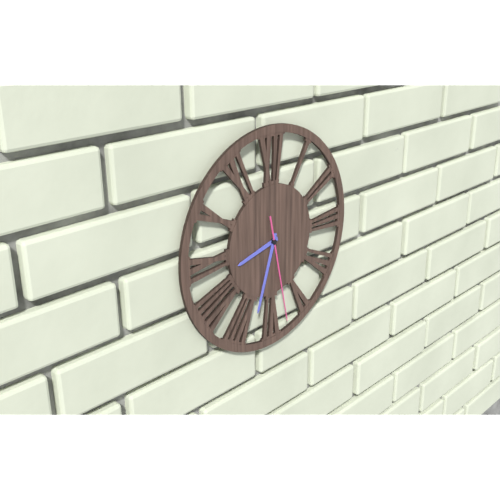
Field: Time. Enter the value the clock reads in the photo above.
8:33:28
